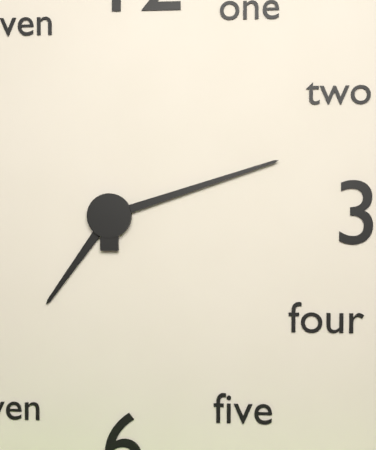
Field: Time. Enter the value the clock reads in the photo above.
7:12
